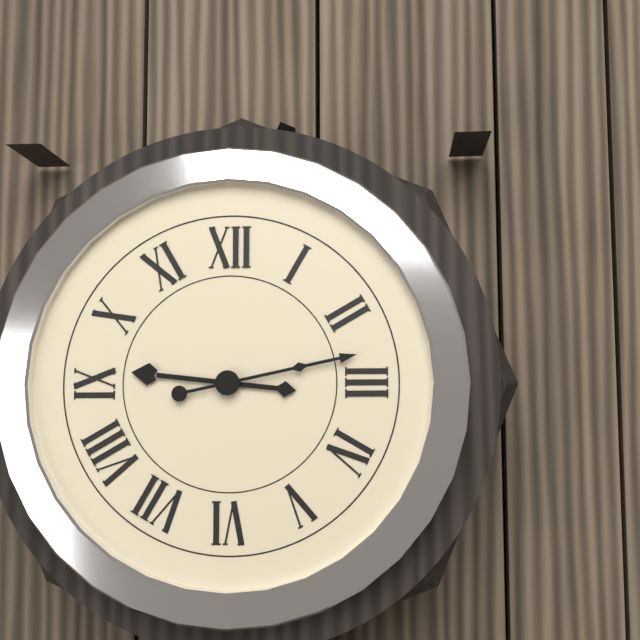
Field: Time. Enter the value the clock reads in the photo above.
9:13
